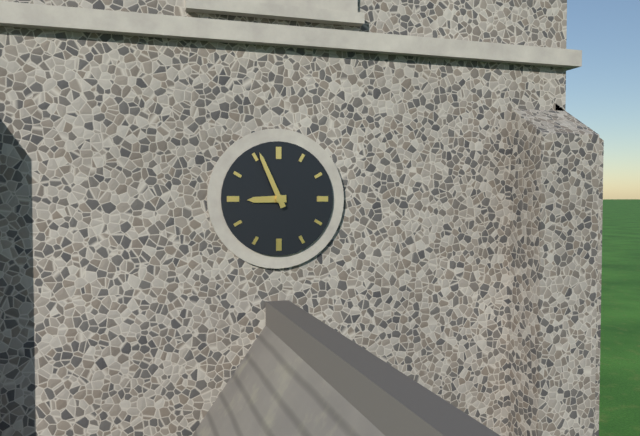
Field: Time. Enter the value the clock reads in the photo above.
8:56
